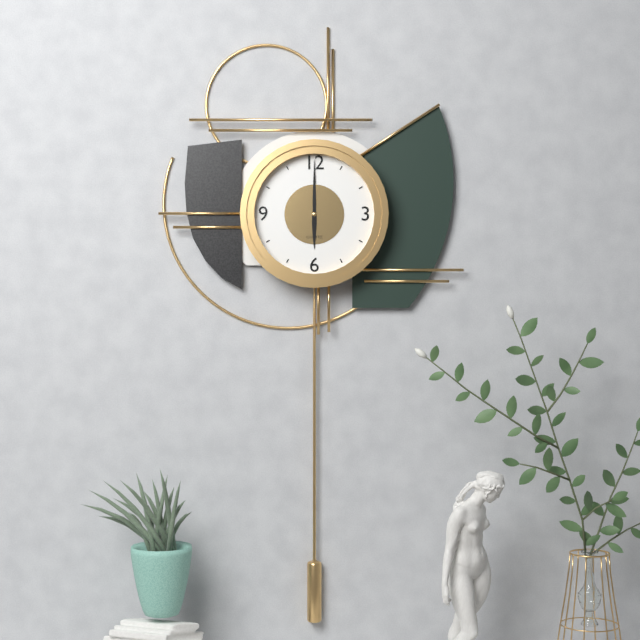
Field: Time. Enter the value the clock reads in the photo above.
6:00
